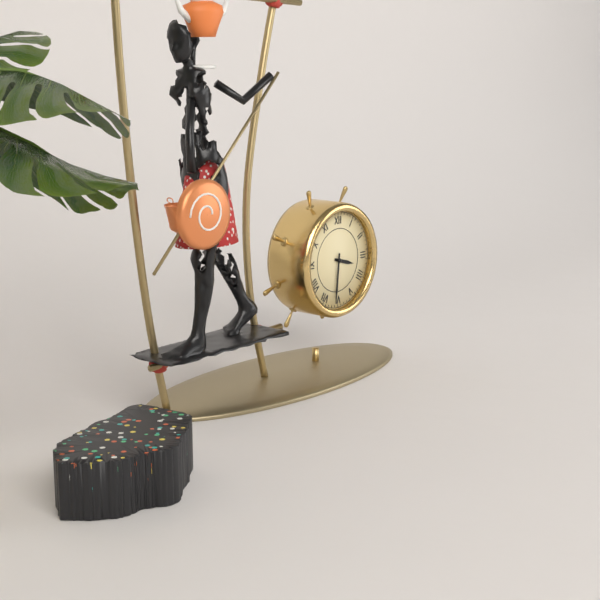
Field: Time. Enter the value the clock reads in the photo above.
3:31
